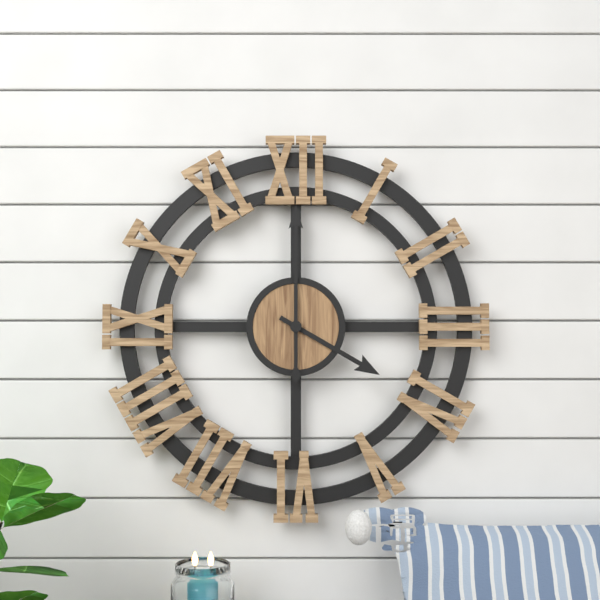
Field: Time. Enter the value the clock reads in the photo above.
4:00
